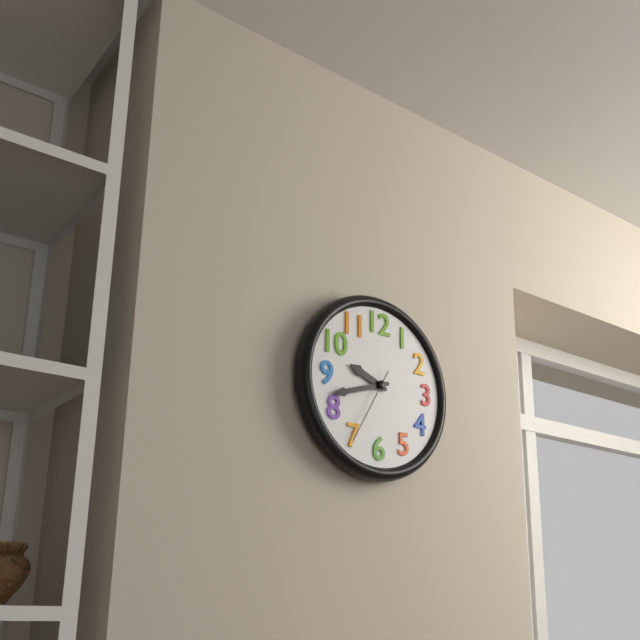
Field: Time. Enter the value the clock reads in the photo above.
9:42:35
